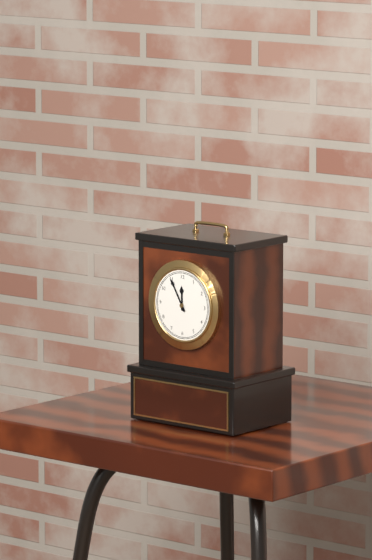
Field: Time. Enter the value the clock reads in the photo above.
11:55
